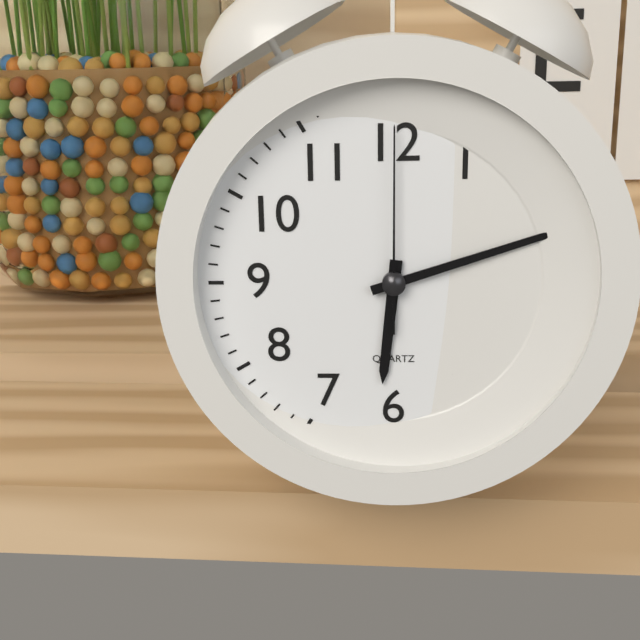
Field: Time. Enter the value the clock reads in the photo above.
6:12:00
